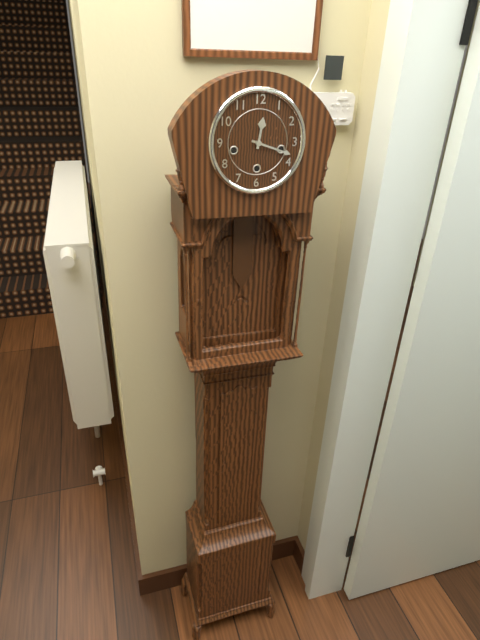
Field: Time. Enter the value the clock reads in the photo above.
12:18
